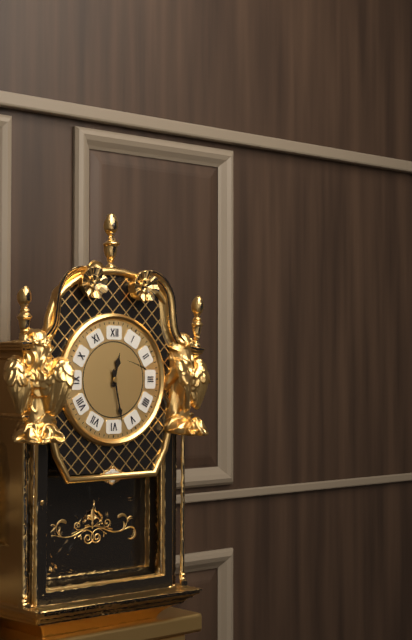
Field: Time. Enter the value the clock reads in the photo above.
12:28
